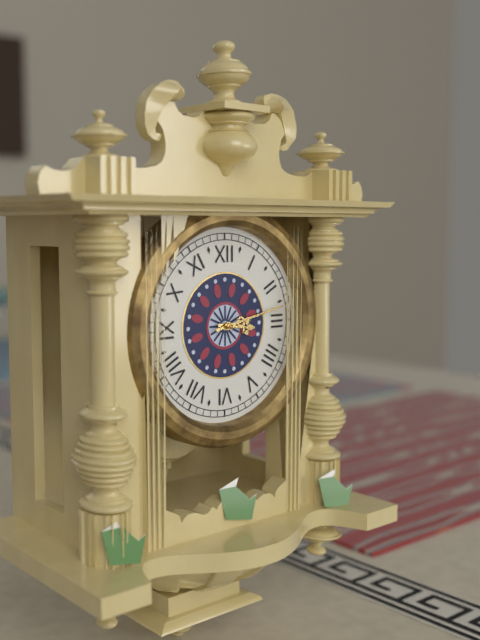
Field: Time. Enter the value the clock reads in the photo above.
3:13
